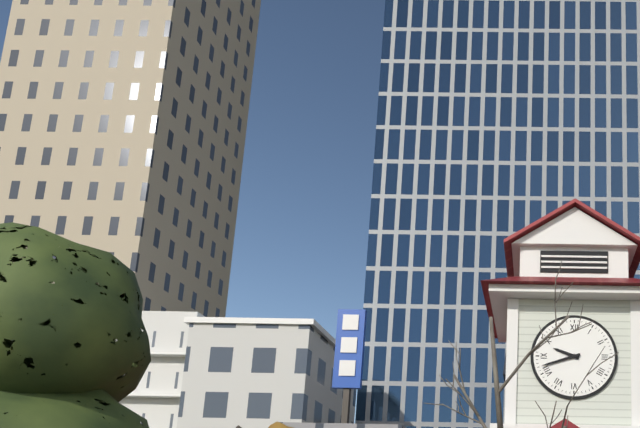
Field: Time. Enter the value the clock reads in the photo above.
9:42
